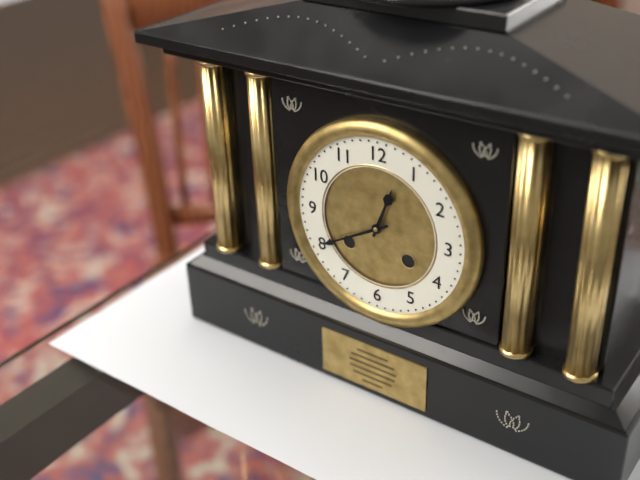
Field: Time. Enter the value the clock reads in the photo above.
12:40
